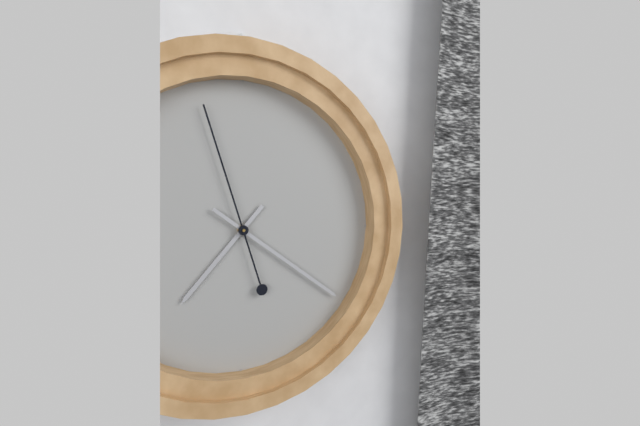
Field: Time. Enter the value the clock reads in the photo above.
7:21:57
